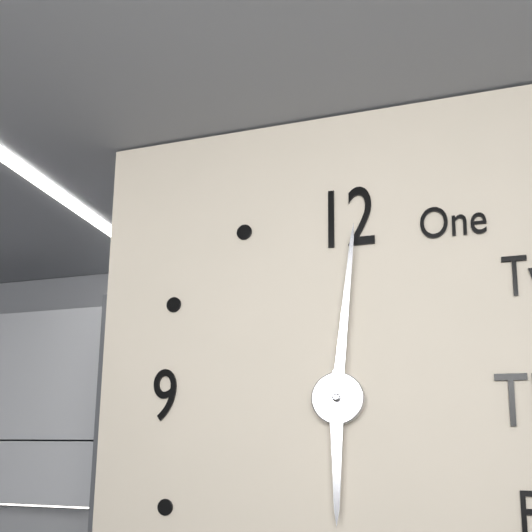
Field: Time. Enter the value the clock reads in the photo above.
6:01
